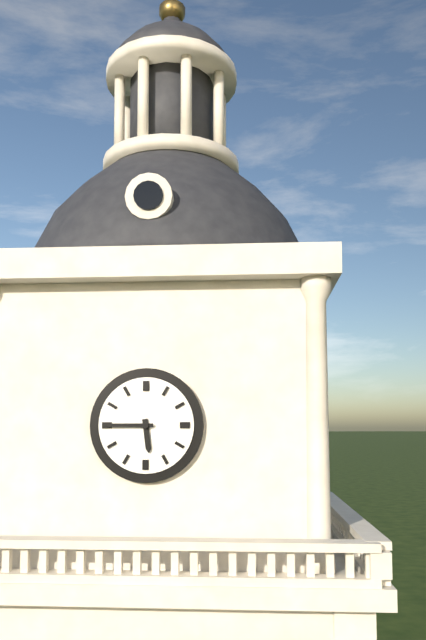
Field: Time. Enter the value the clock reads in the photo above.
5:45
